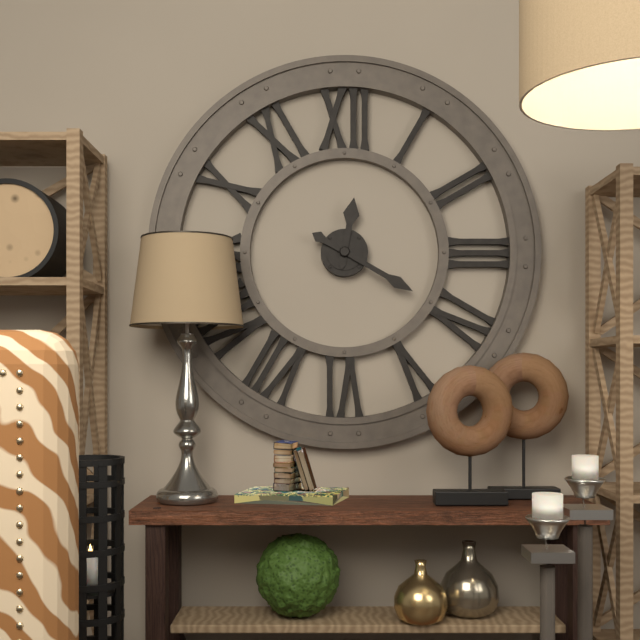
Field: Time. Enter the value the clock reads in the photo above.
12:20
